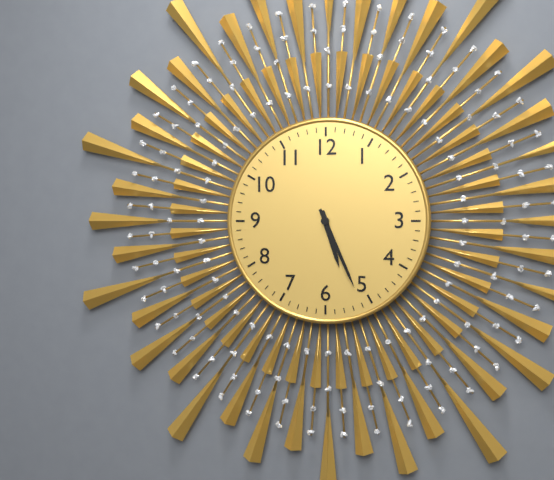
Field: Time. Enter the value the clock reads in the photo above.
5:26
